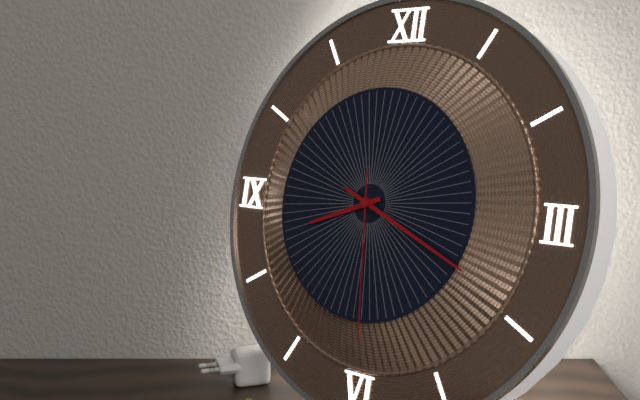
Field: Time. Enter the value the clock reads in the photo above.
8:19:29
